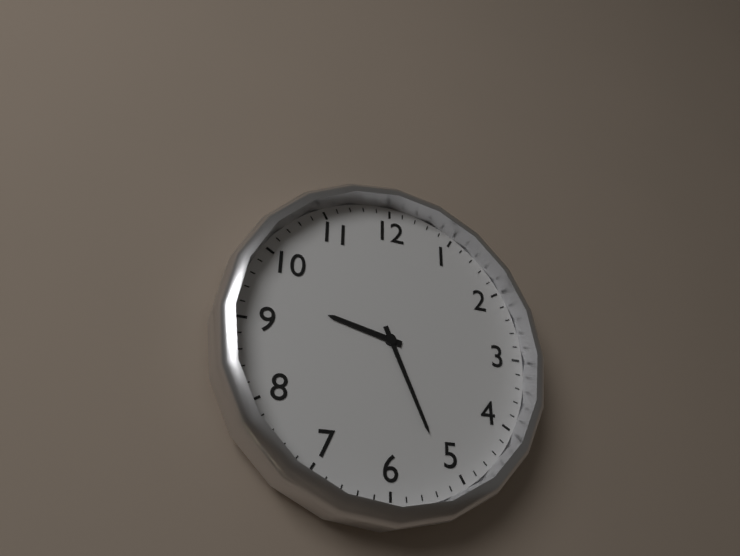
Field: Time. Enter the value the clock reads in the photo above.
9:26
